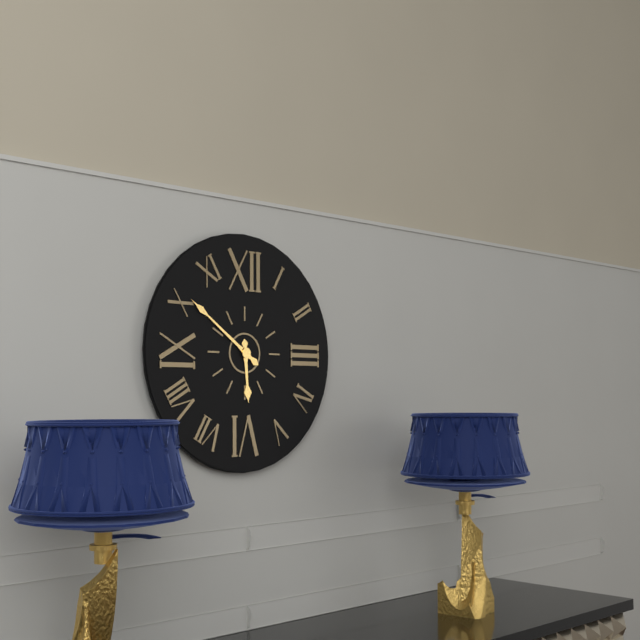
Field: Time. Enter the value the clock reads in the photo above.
5:51
